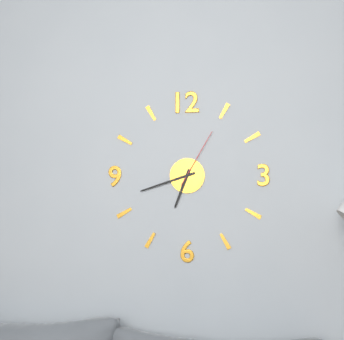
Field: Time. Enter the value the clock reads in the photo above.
6:42:05
